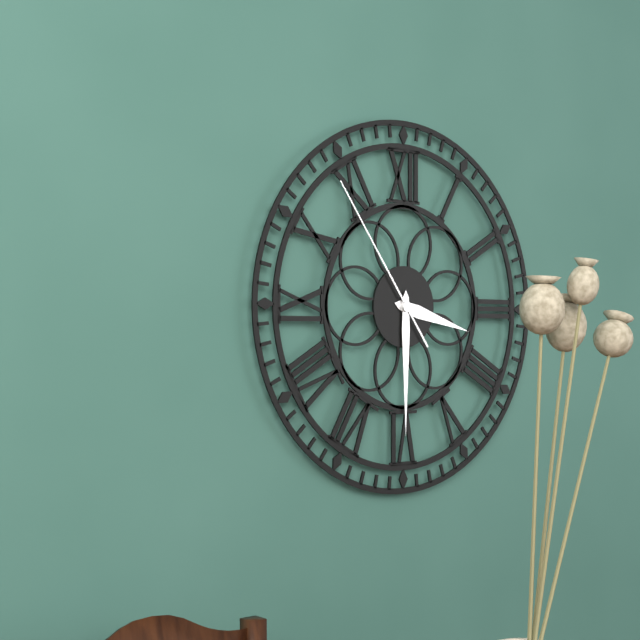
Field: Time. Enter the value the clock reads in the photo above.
3:30:54
